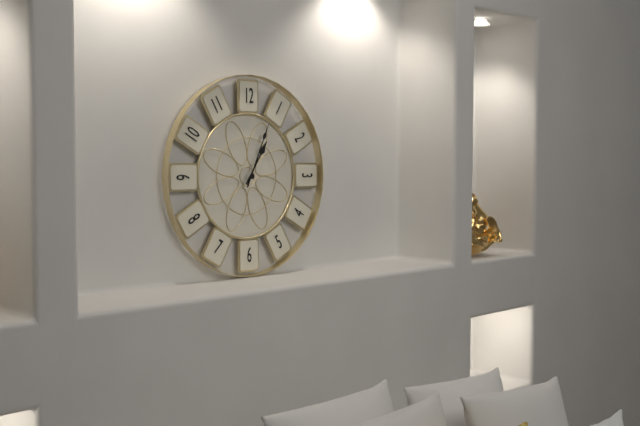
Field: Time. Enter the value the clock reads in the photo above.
1:04
